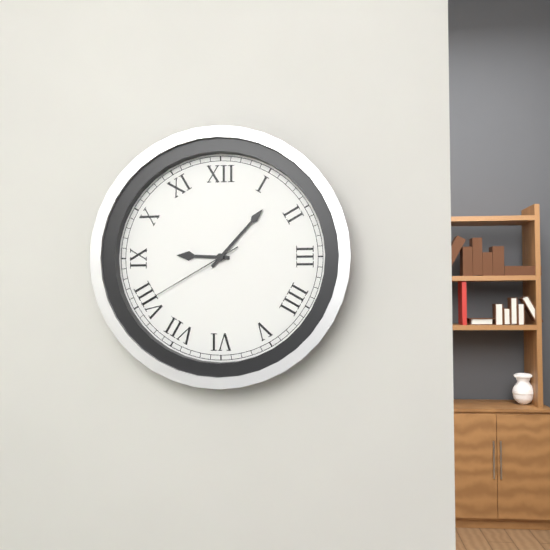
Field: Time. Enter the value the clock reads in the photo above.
9:07:40
